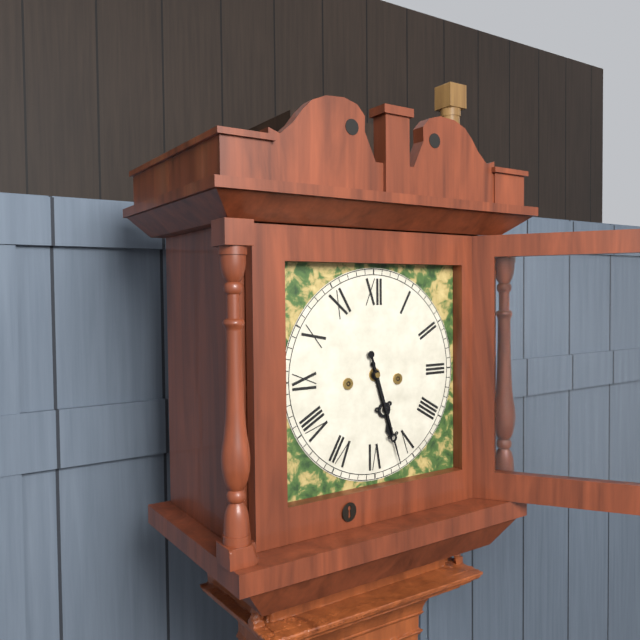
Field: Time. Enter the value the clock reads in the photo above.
5:27
